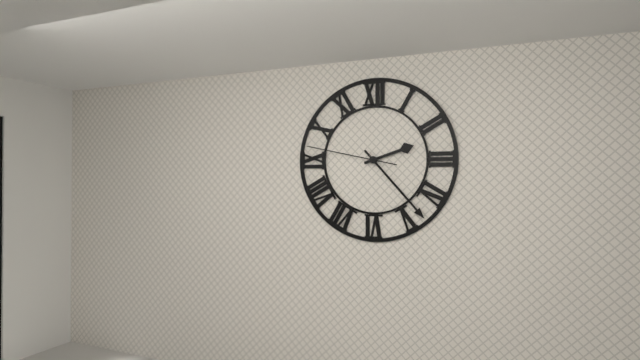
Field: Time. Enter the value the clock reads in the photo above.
2:23:47
